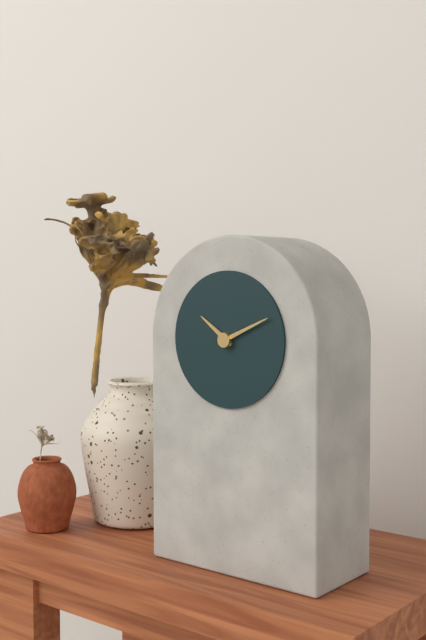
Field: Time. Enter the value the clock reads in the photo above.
10:11
